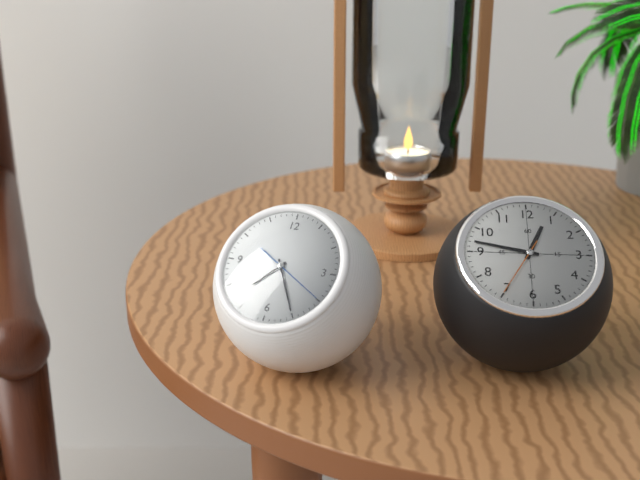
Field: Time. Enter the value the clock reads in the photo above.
7:25
